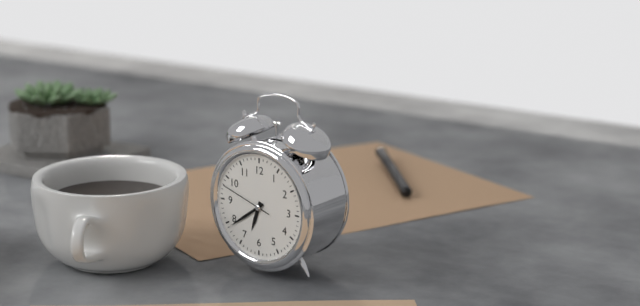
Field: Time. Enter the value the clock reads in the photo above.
6:39:48
